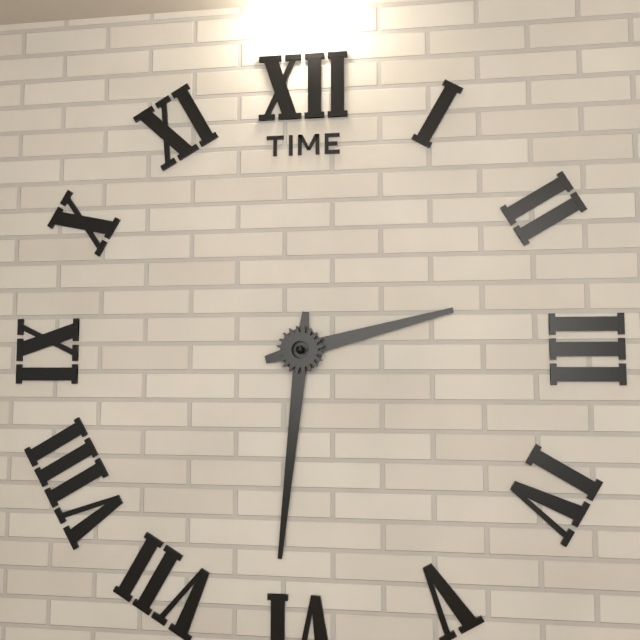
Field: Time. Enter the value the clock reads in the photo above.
2:31
